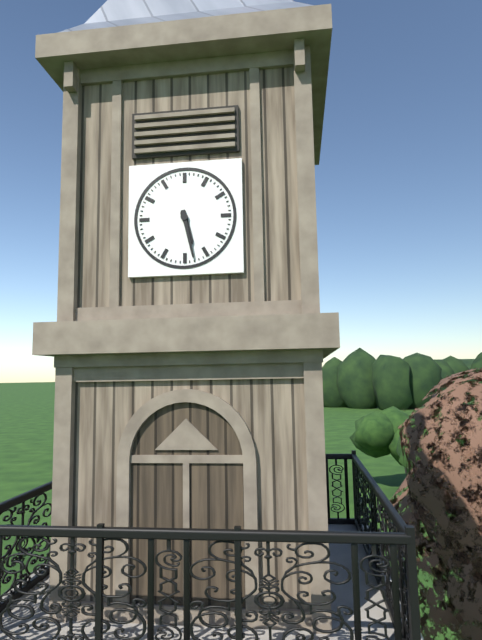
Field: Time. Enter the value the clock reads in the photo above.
5:28
